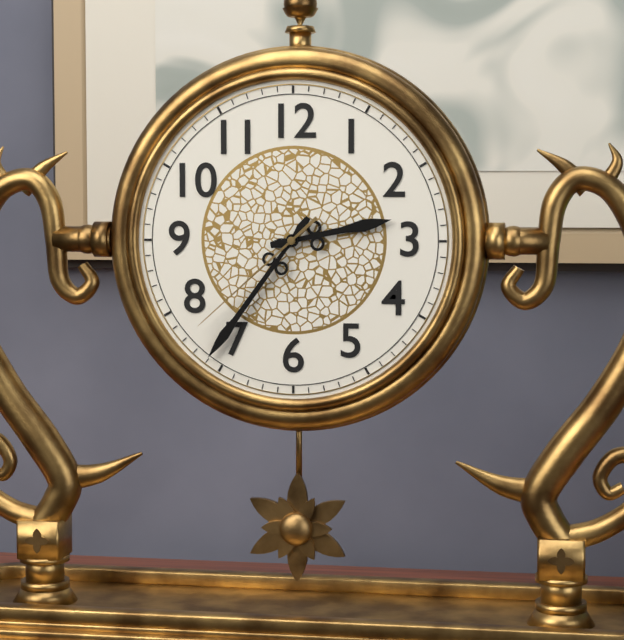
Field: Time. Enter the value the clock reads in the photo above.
2:36:38
